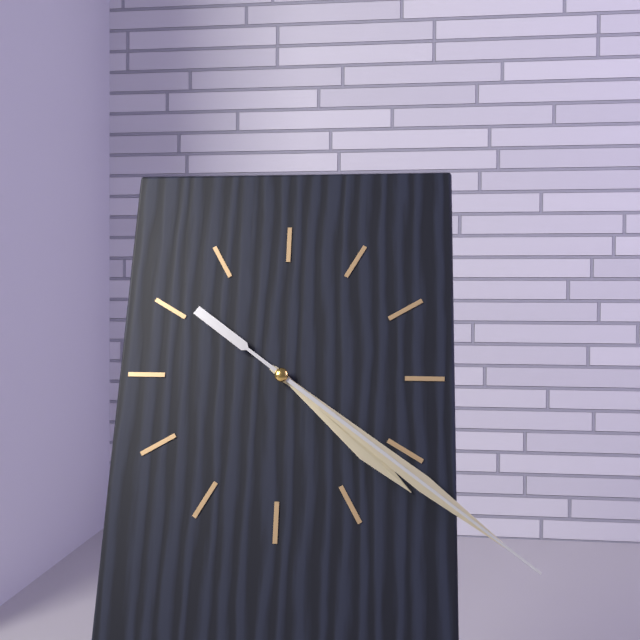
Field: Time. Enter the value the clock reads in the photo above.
4:21:21
